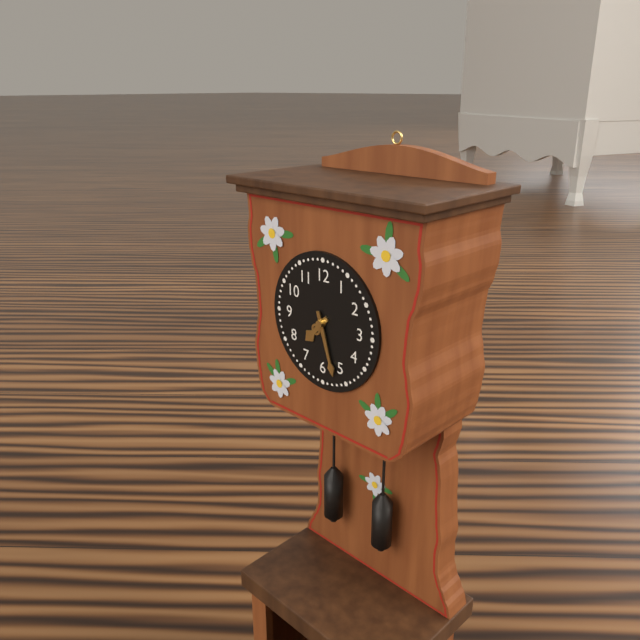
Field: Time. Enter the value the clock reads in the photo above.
7:27
